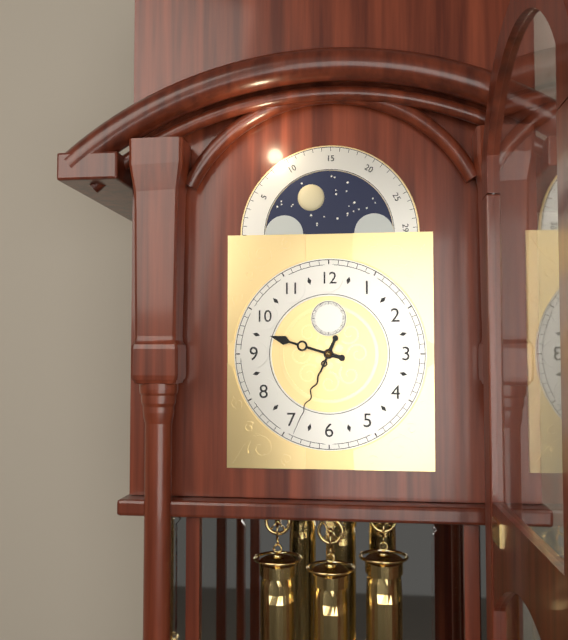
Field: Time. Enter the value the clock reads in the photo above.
9:34
